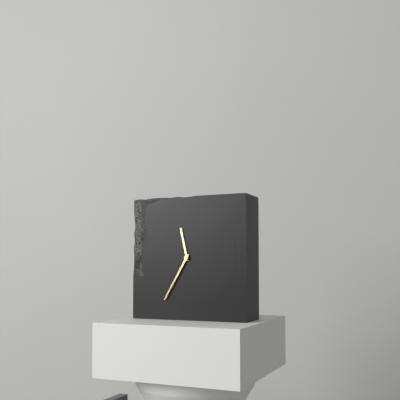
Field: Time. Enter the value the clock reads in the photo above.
11:35
